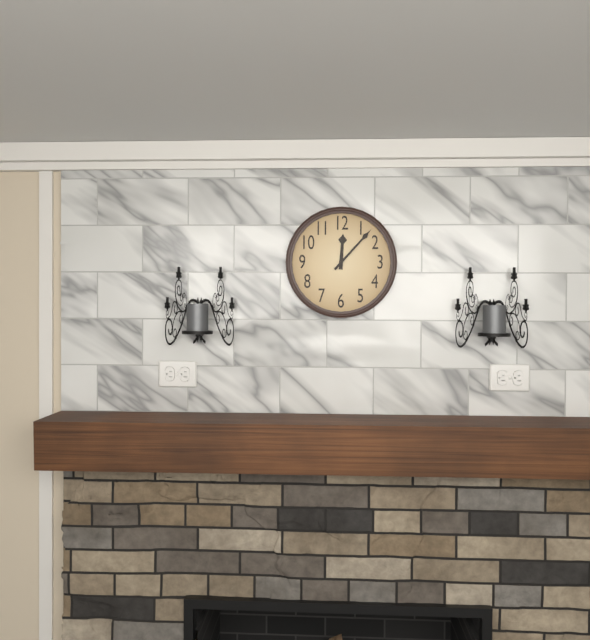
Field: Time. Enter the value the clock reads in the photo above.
12:07
